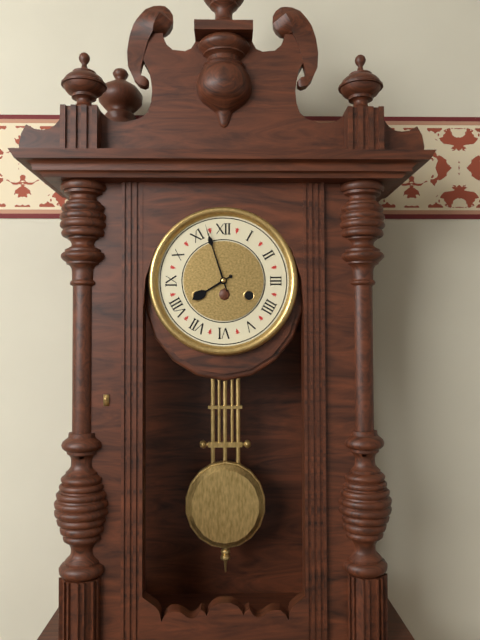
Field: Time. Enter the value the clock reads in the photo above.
7:57
